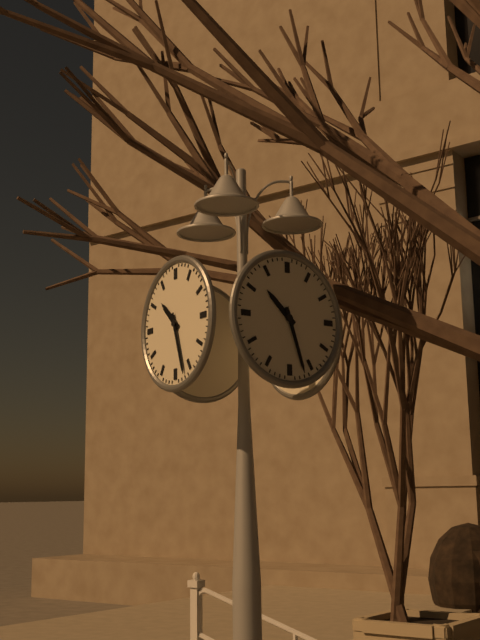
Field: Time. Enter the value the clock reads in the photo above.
10:27
